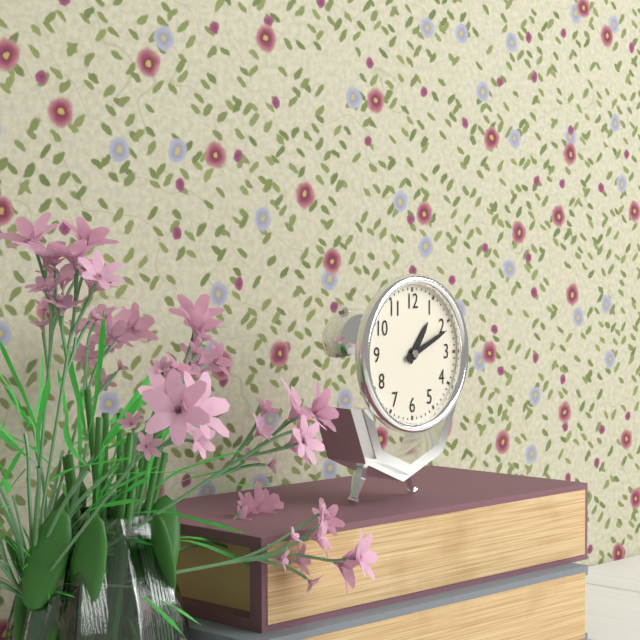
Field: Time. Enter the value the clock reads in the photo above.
1:11
